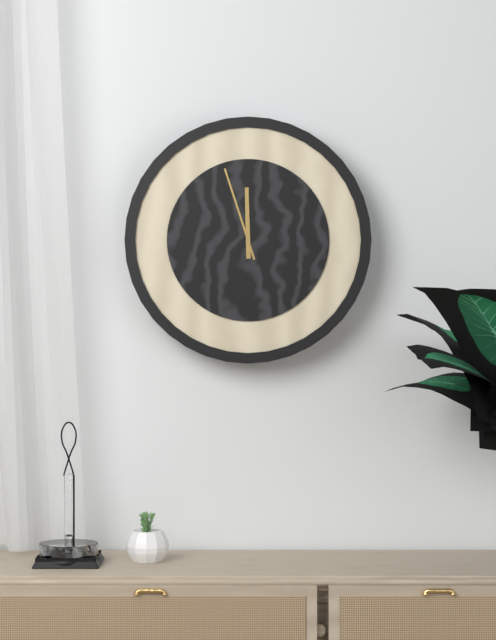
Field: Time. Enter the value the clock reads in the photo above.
11:57
